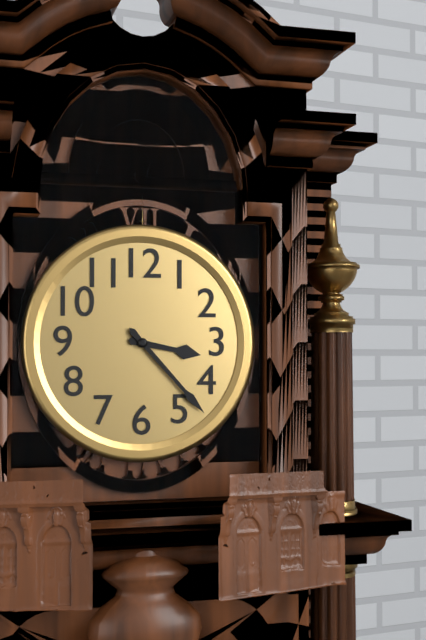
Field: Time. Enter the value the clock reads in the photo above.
3:23
